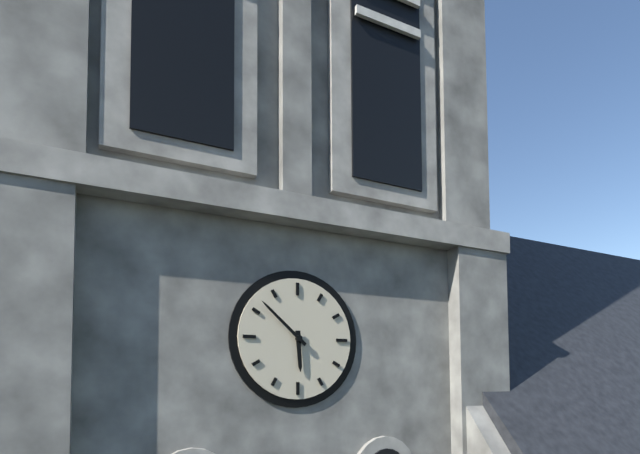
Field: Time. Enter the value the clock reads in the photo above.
5:52
